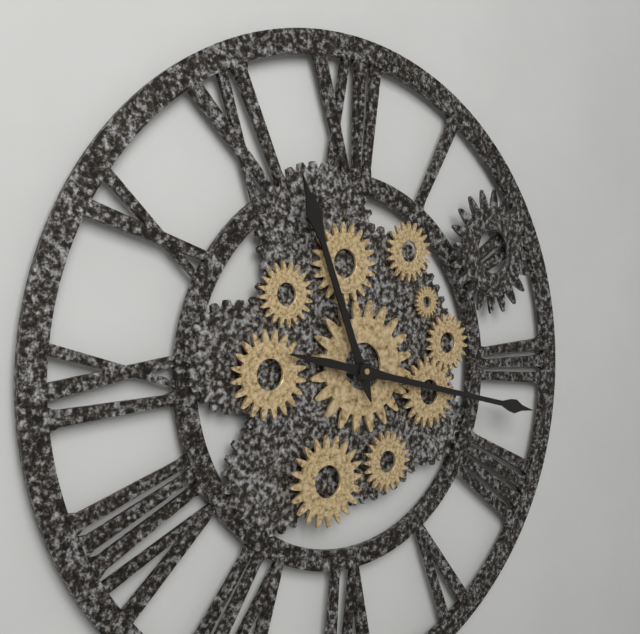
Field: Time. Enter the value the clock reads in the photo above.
11:17
